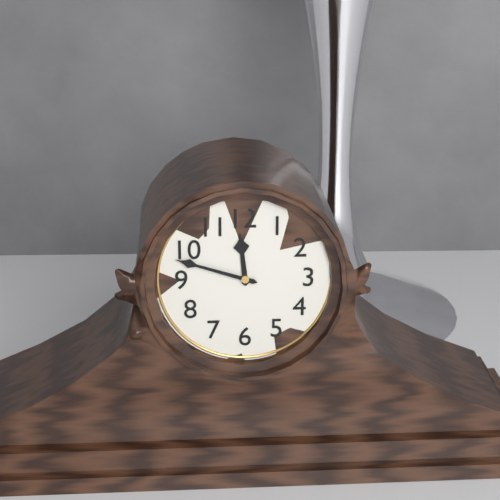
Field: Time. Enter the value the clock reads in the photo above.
11:48
